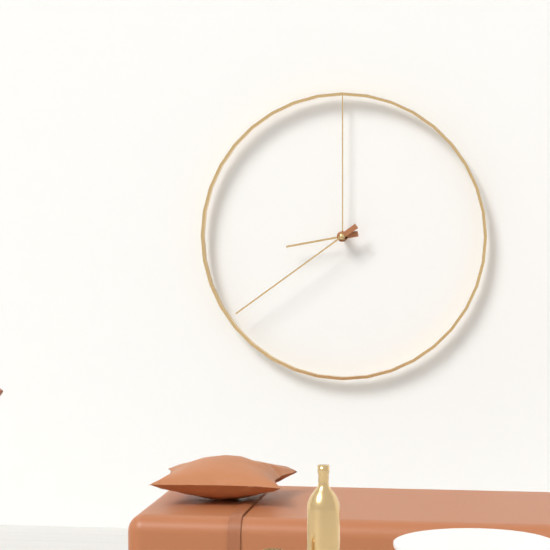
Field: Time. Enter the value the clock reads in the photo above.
8:39
